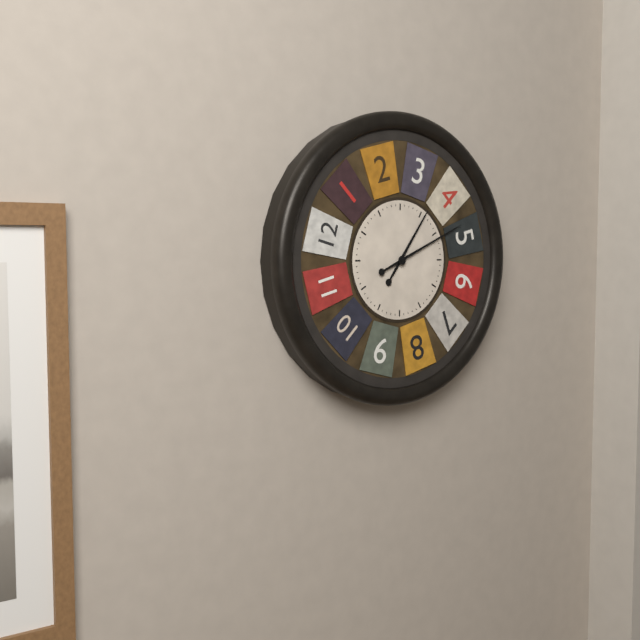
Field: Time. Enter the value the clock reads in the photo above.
1:11
